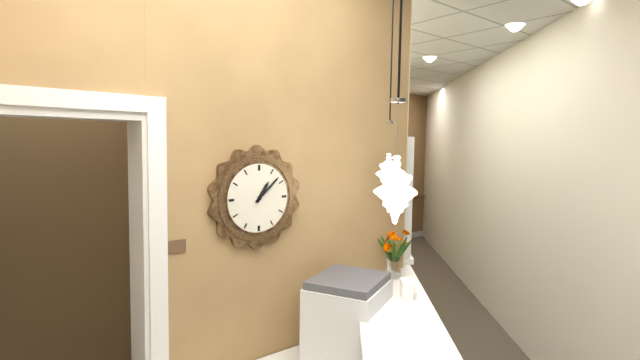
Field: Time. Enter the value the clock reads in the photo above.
1:08
